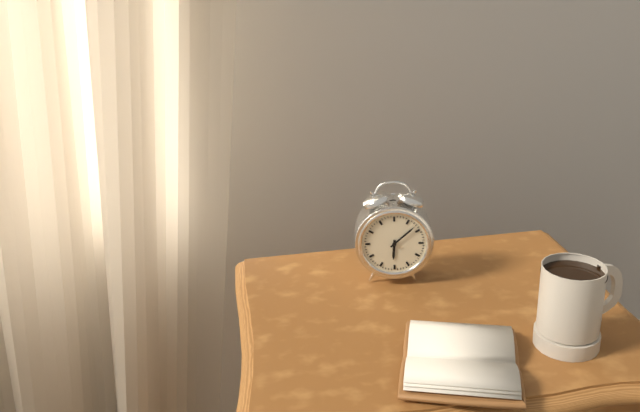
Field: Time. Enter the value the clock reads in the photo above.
6:08
